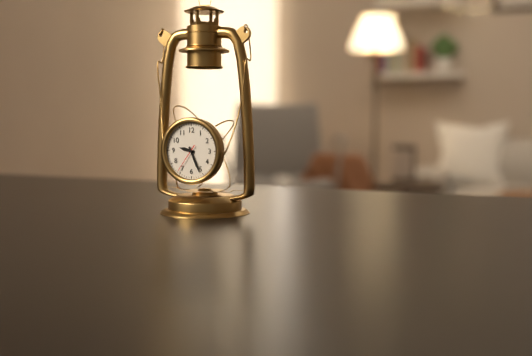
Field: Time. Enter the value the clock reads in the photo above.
9:26
